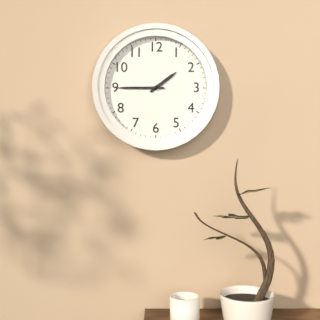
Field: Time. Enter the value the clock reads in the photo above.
1:45
